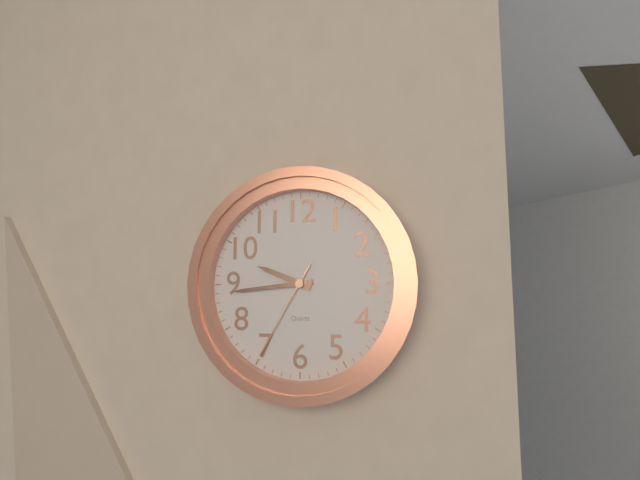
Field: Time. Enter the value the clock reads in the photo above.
9:44:35
